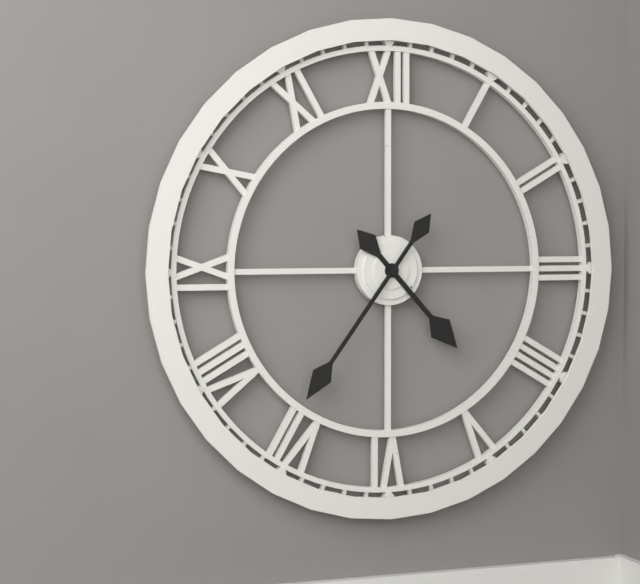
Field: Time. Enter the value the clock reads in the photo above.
4:36
